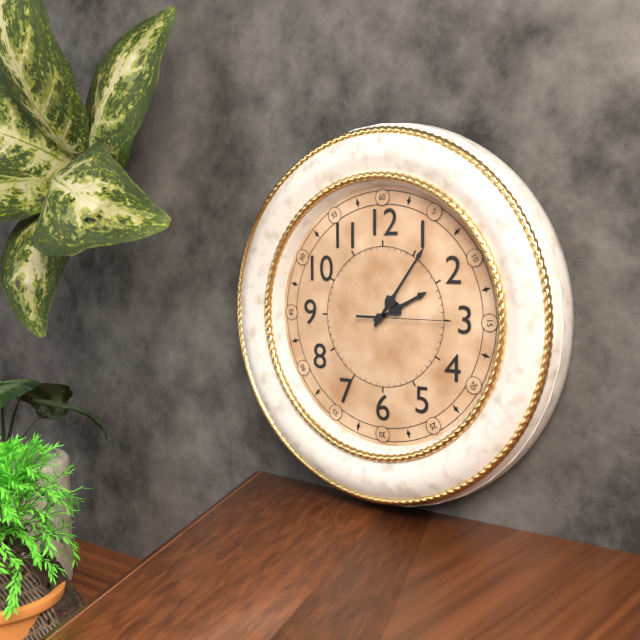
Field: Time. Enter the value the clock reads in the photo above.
2:06:15
